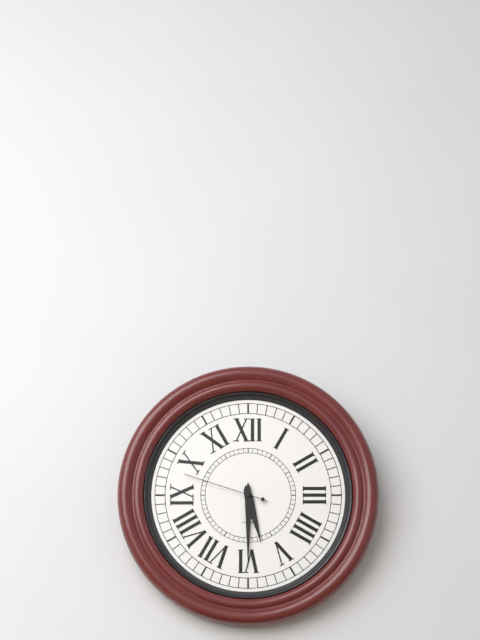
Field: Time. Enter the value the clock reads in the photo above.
5:30:48
